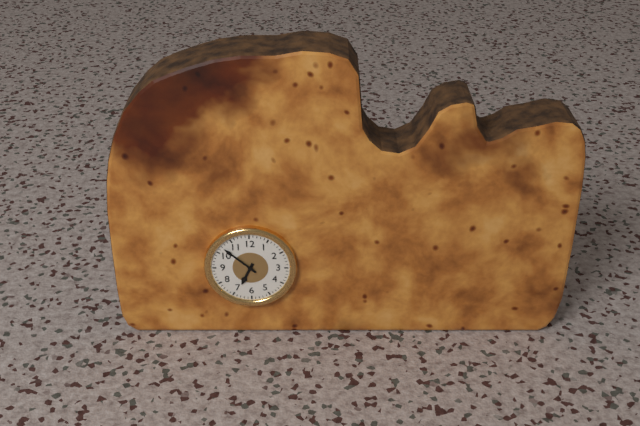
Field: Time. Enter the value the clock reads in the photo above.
6:52
